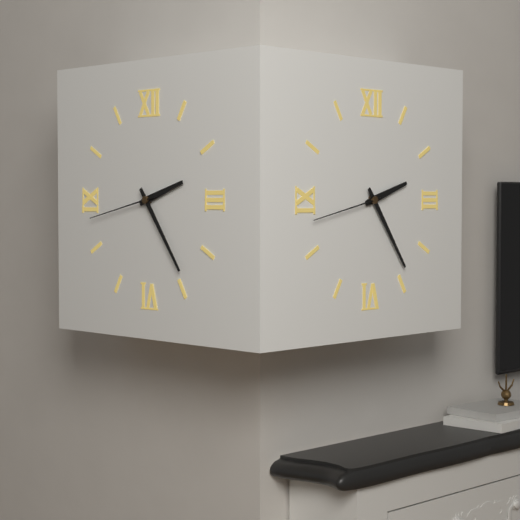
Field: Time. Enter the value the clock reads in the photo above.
2:24:43
